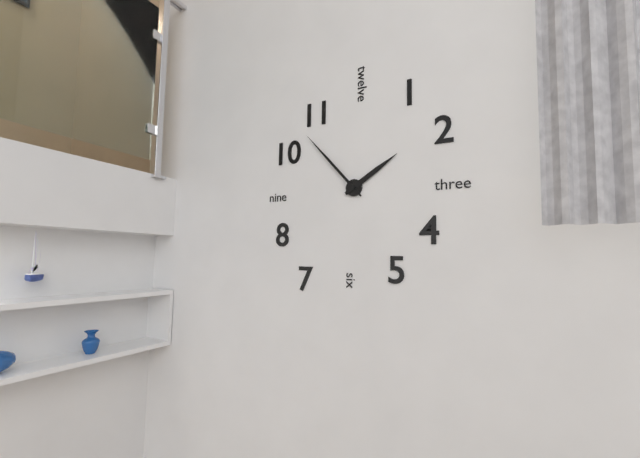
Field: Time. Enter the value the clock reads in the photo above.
1:53
